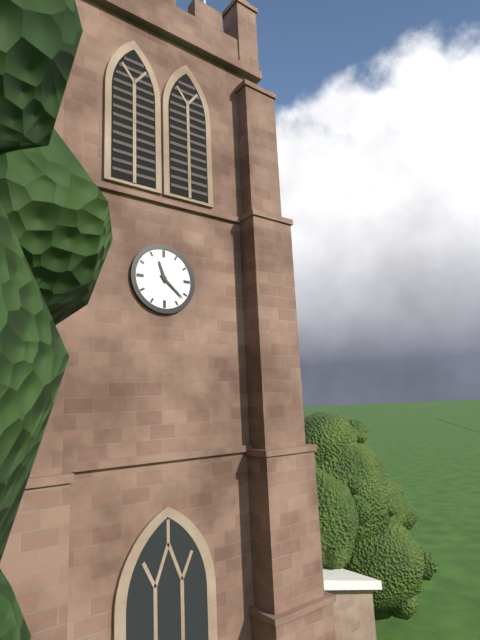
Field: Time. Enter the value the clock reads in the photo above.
11:22
